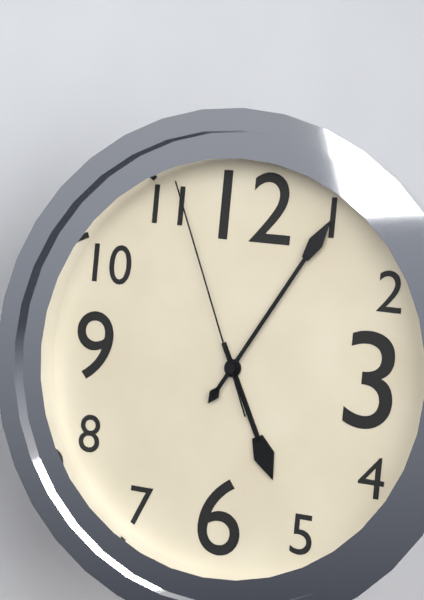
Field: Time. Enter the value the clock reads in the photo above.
5:05:56
